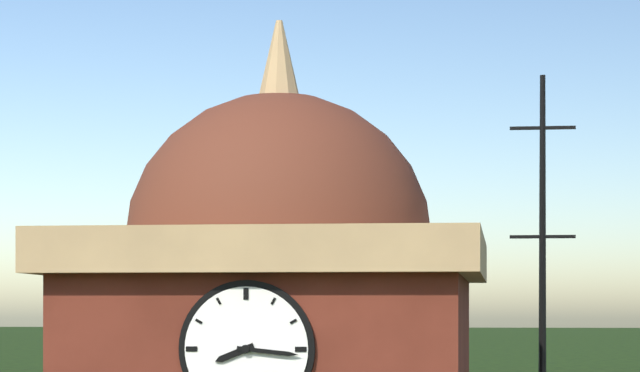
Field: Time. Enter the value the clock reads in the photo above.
8:16
